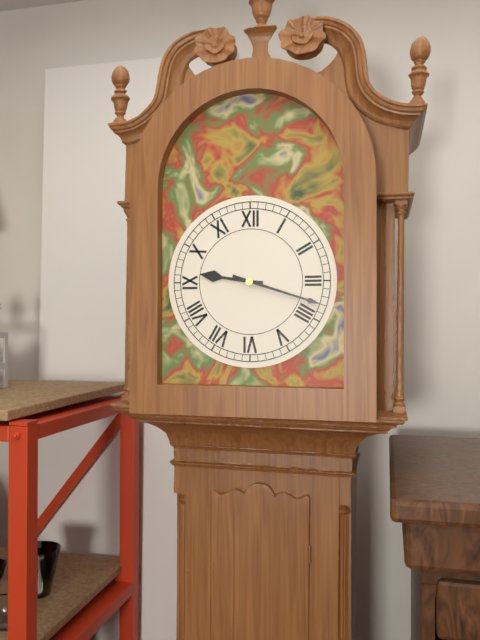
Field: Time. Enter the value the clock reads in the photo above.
9:18
